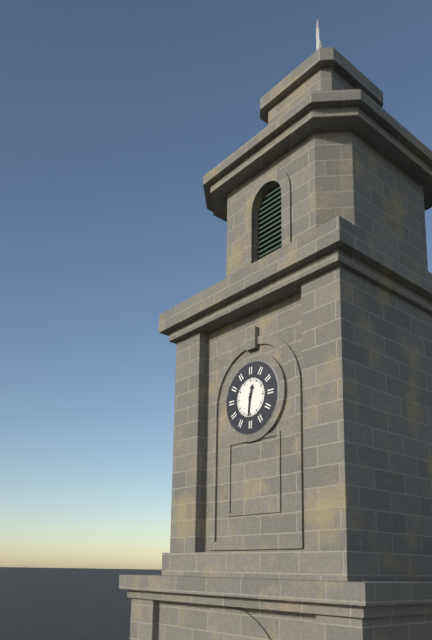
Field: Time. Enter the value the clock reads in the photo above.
12:31
